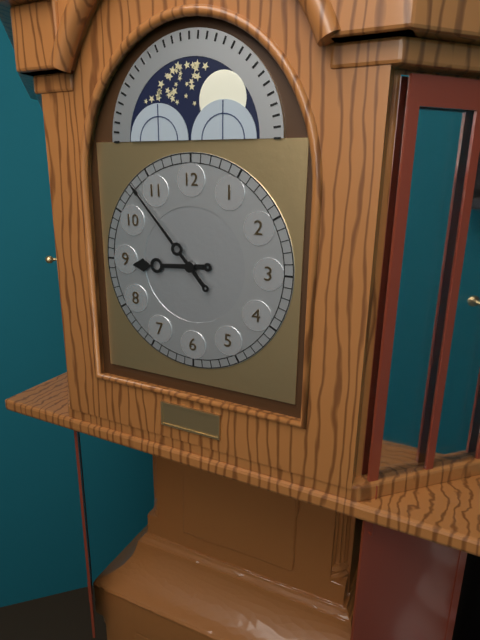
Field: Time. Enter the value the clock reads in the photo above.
8:53
